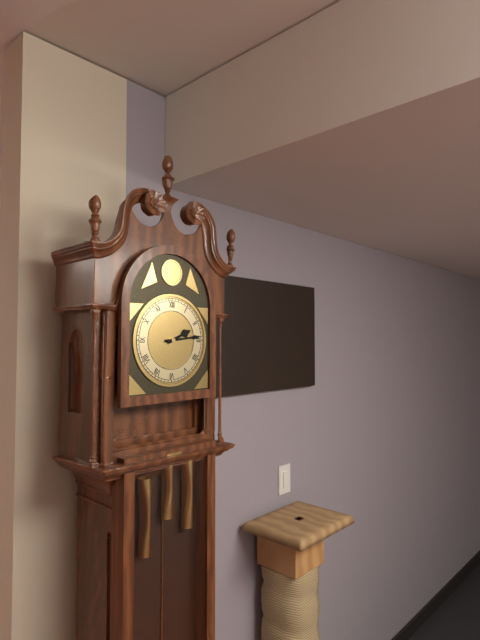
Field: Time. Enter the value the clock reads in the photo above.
2:14
